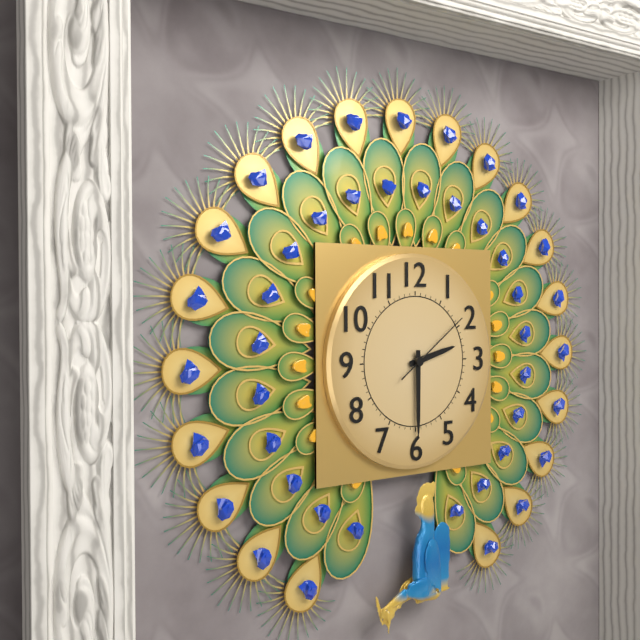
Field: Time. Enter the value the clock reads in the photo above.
2:30:09
